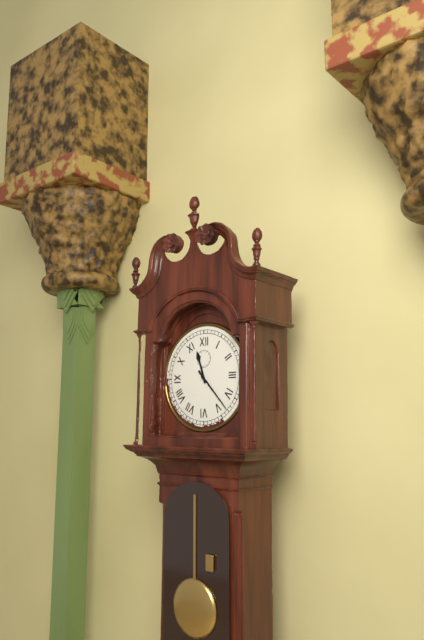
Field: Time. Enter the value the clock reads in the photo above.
11:23
